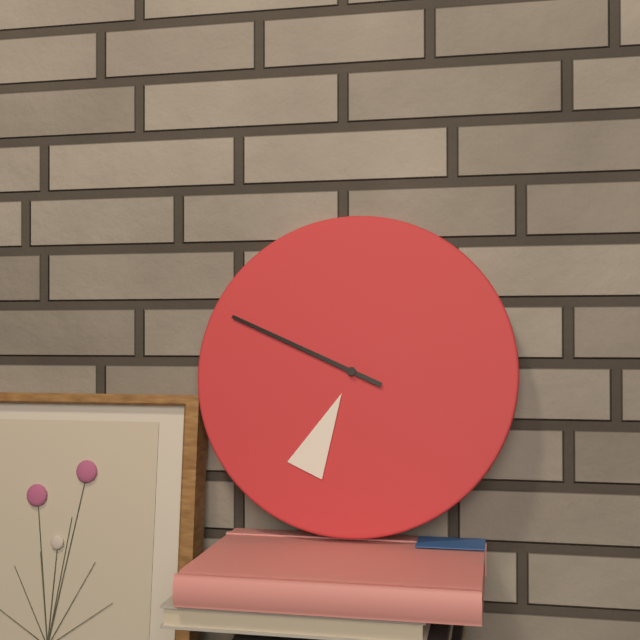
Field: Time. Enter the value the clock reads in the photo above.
6:49
